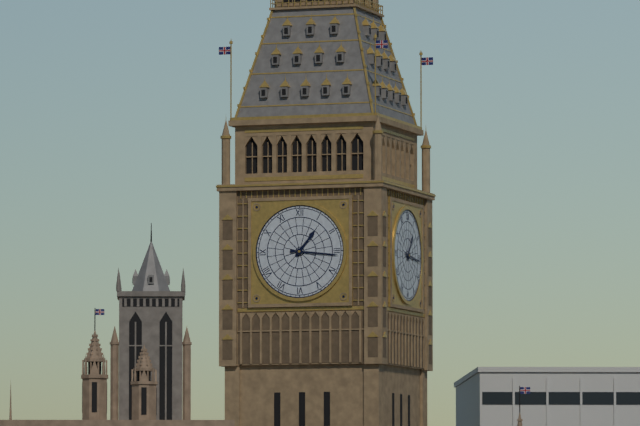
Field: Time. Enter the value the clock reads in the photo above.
1:16
